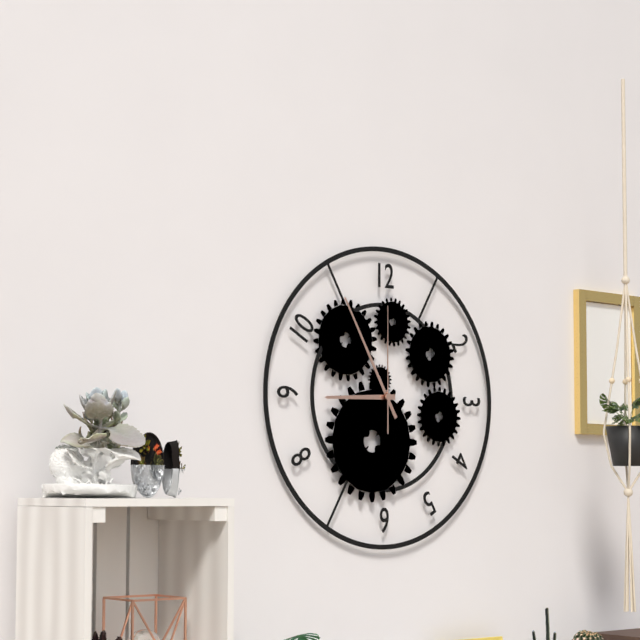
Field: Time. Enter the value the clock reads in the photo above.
8:55:00
